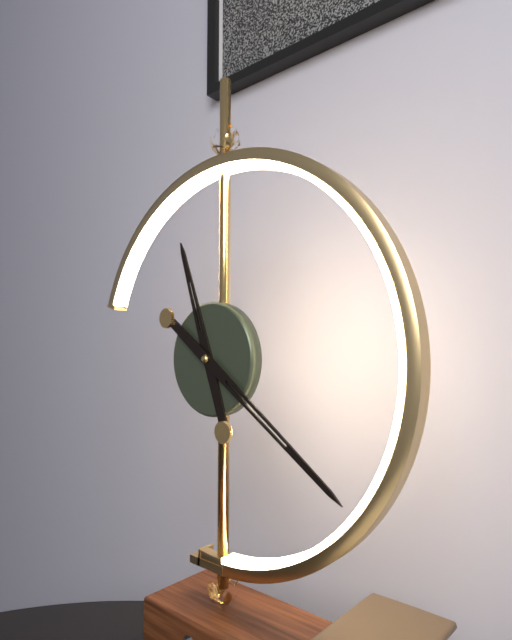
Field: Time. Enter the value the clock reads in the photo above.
11:21
